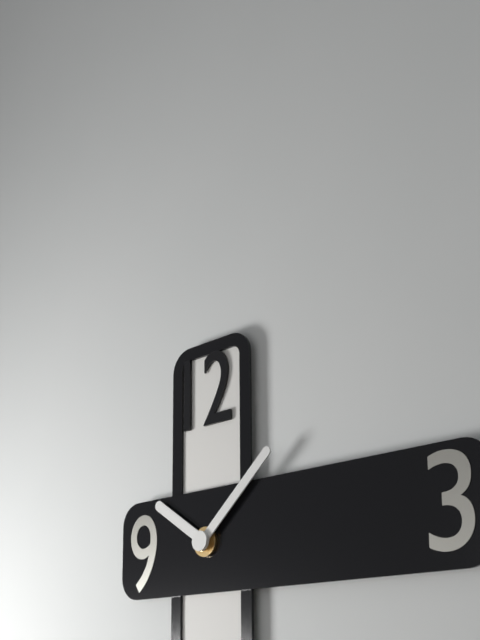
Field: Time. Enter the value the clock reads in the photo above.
10:08
